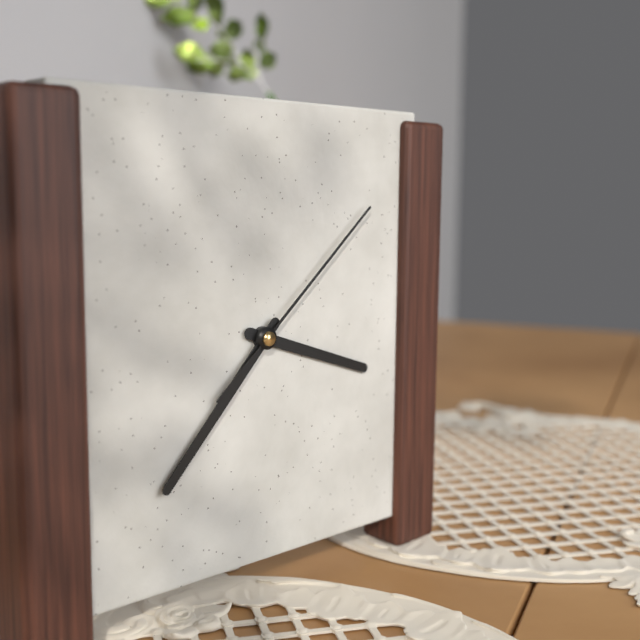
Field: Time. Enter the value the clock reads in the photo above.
3:37:08
